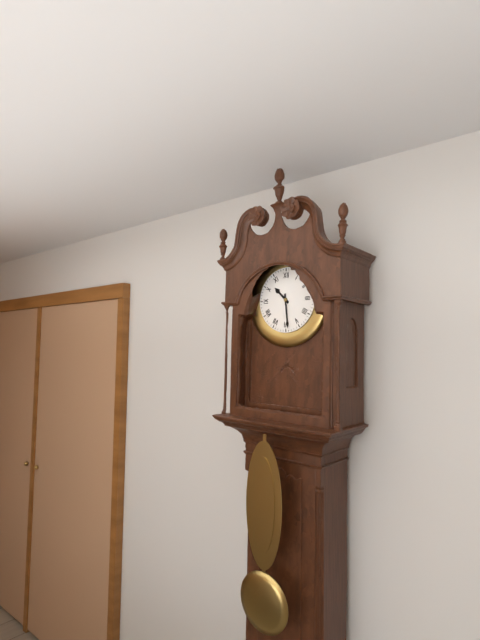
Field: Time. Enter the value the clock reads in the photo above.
10:29
